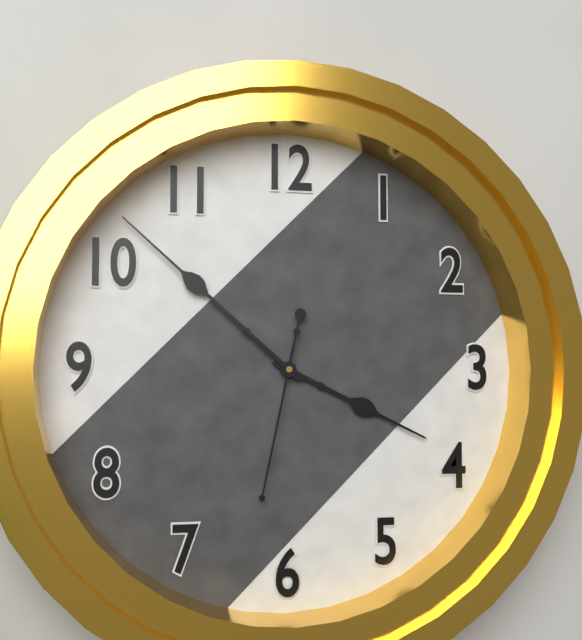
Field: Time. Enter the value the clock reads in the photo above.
3:52:32
